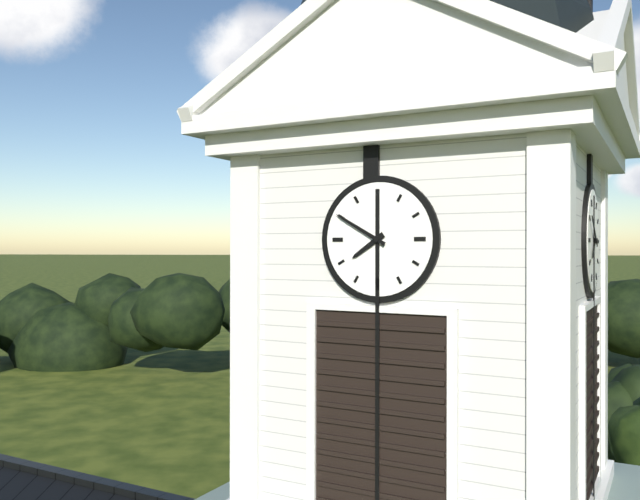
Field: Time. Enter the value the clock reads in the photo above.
7:50
